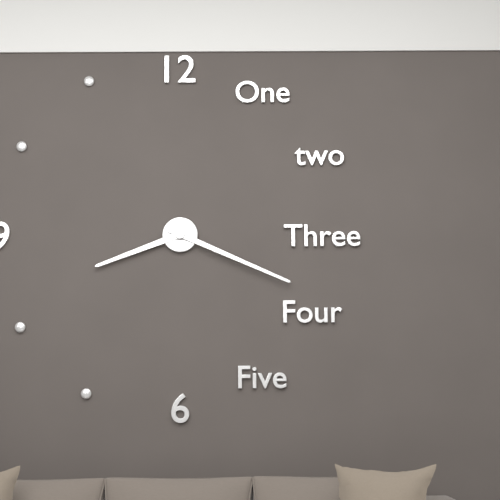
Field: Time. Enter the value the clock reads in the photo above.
8:19
